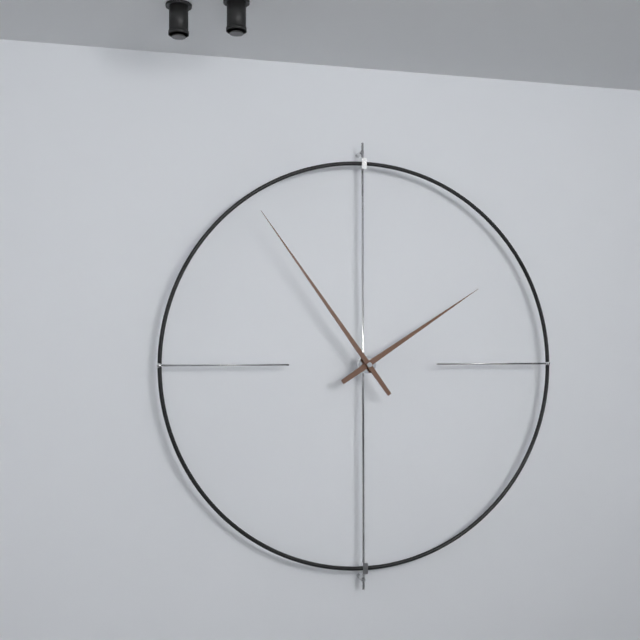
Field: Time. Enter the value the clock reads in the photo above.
1:54
